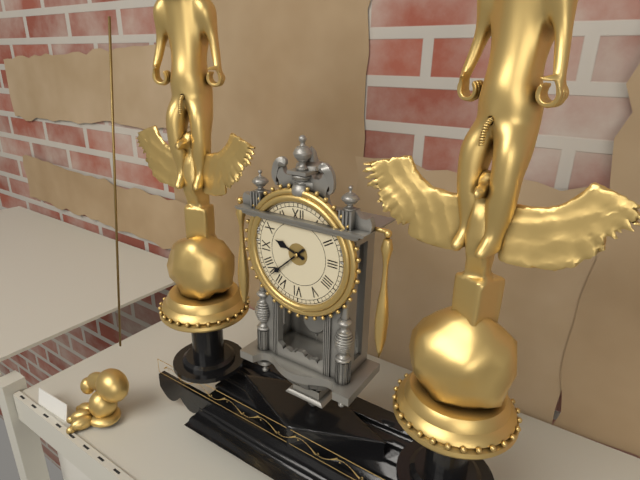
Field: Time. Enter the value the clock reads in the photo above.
9:38
